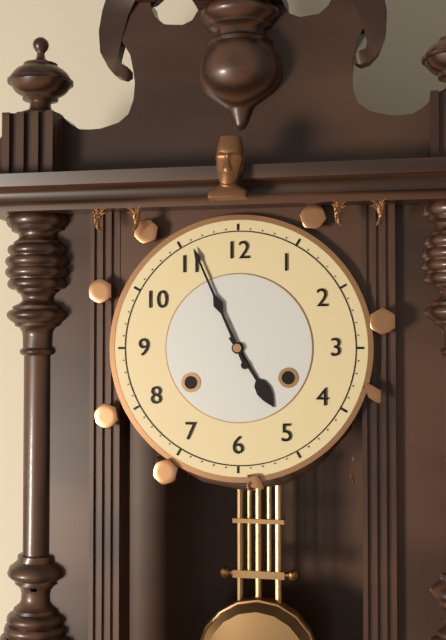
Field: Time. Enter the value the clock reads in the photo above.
4:56
